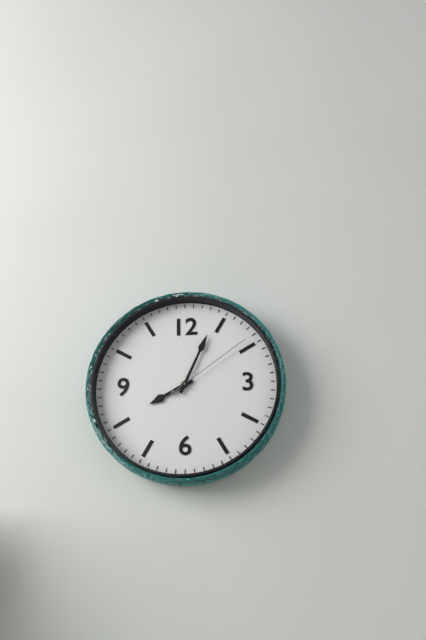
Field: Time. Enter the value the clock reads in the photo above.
8:04:09
